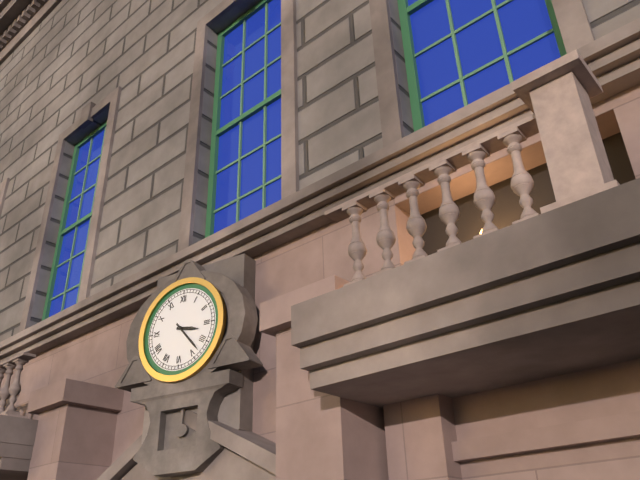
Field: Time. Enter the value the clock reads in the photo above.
3:23
